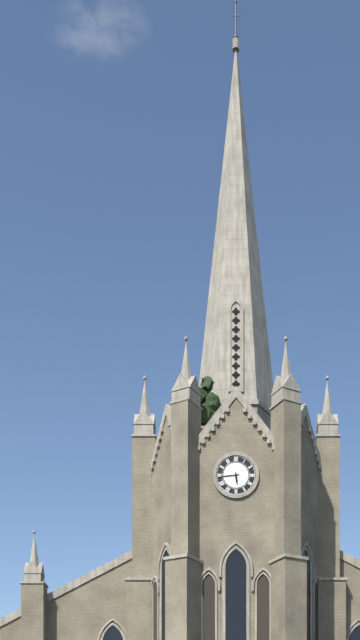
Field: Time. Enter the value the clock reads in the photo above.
5:44
